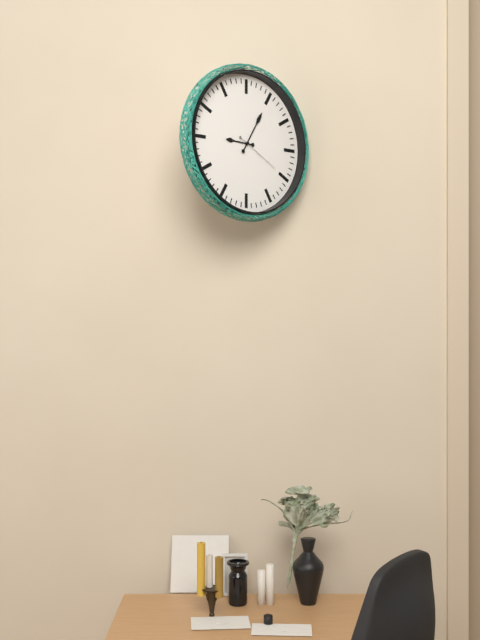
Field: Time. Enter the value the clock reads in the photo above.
9:05:20
